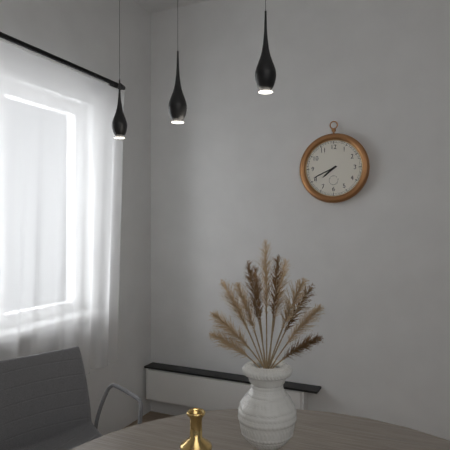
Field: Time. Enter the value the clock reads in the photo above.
7:41
